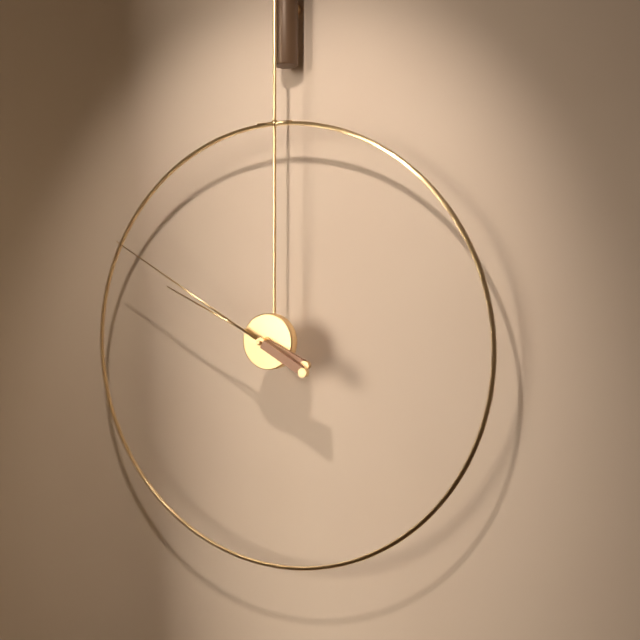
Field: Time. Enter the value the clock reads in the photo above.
9:50
